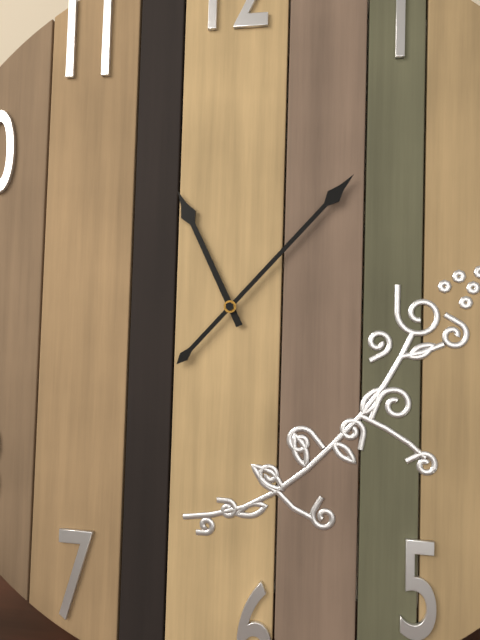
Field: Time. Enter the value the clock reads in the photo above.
11:07
